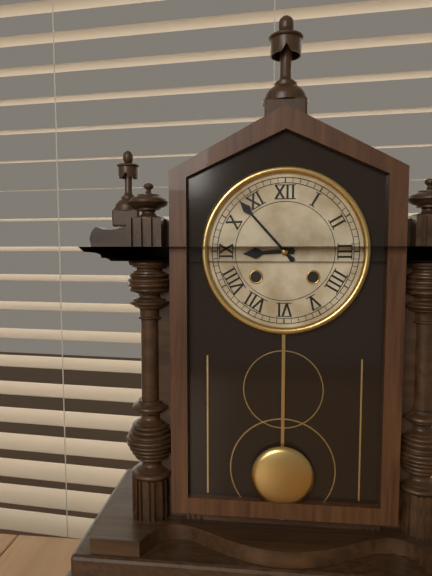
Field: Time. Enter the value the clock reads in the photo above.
8:53
